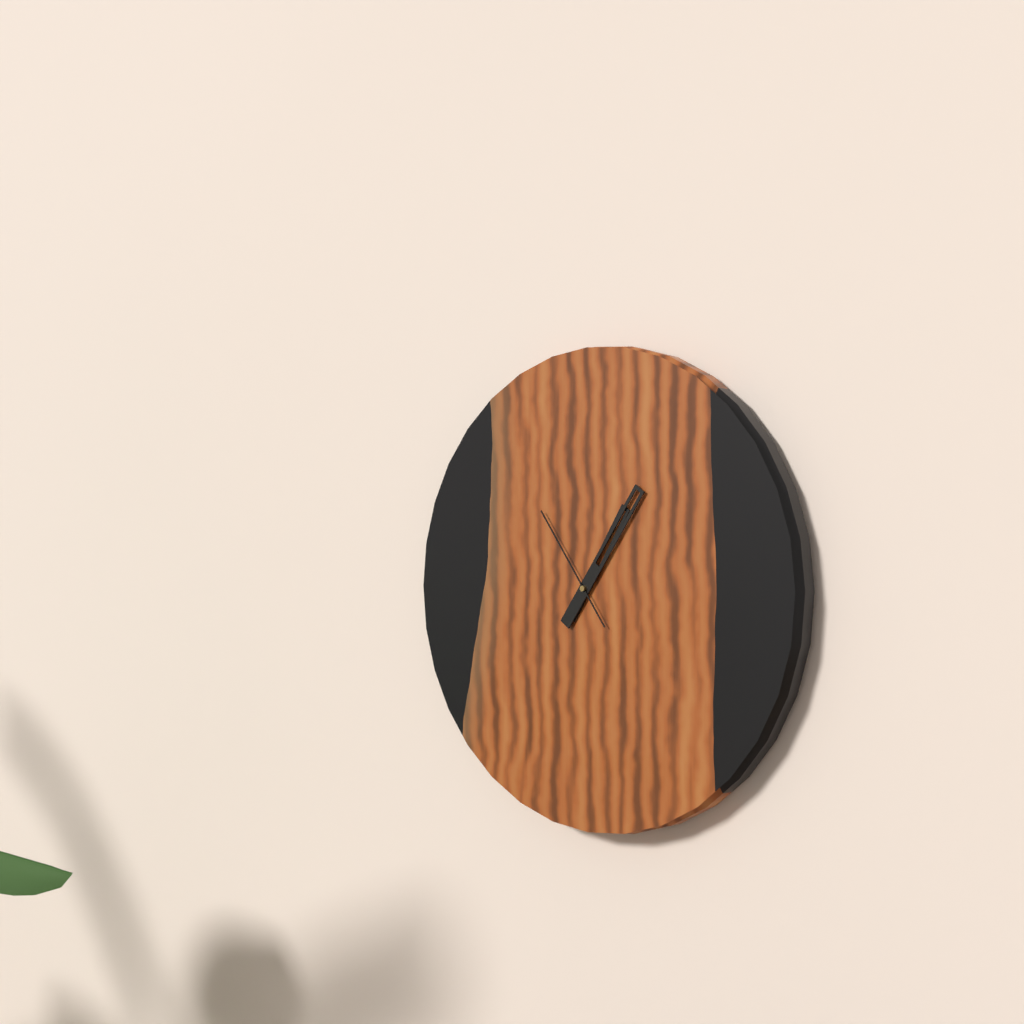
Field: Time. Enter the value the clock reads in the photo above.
1:06:54
